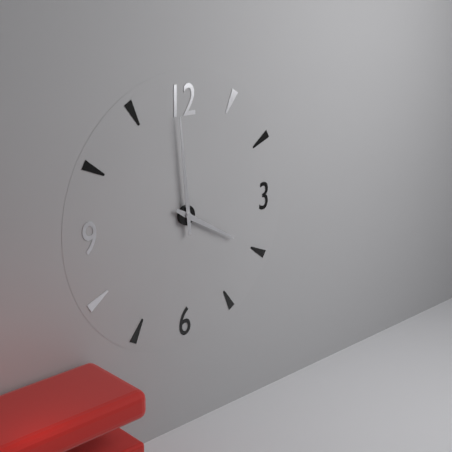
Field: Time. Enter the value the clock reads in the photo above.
3:59
